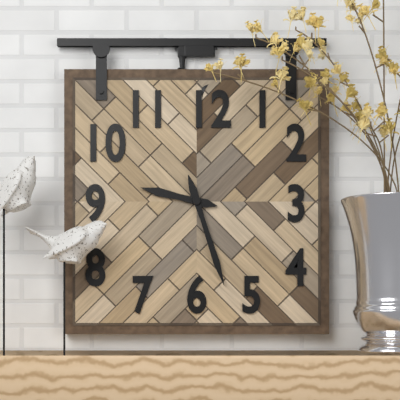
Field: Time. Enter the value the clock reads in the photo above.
9:27
